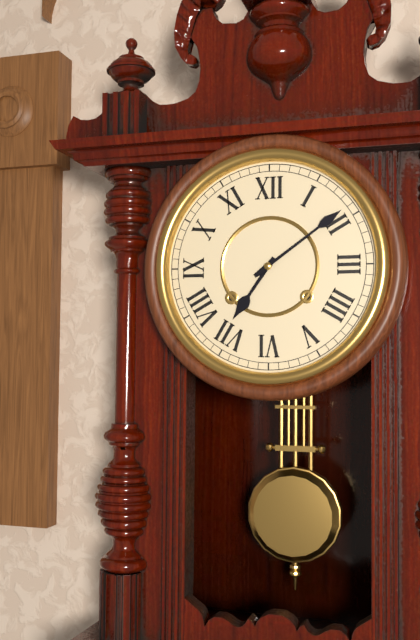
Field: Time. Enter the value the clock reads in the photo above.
7:09
